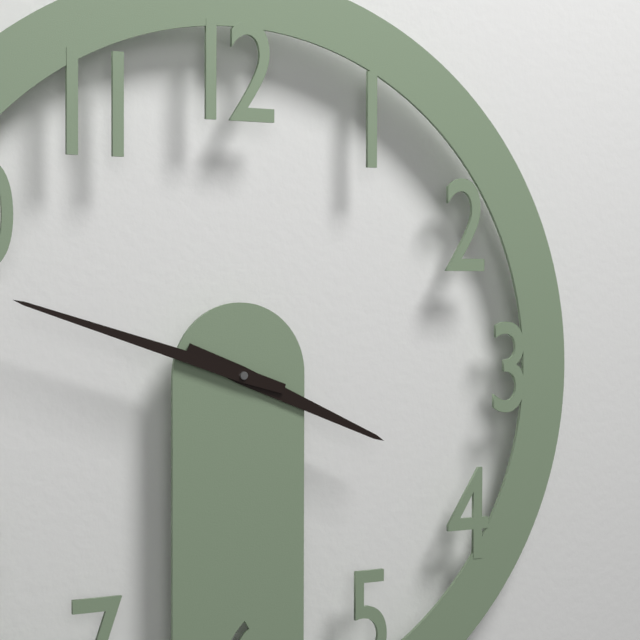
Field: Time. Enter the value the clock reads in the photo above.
3:48
